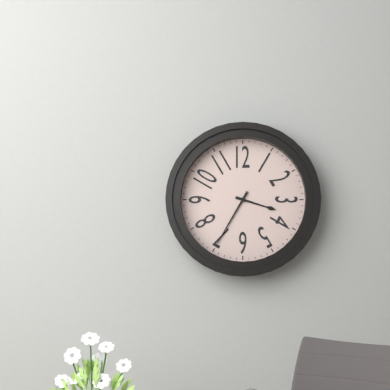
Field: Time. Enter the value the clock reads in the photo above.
3:35
